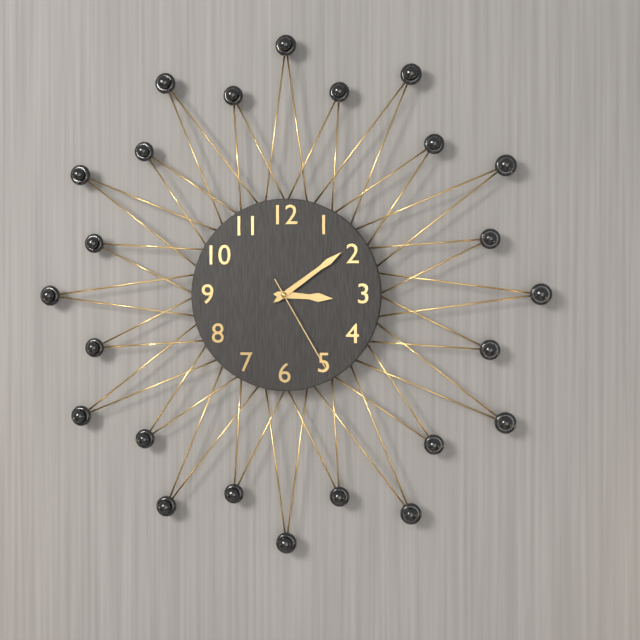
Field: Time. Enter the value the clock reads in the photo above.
3:09:25
